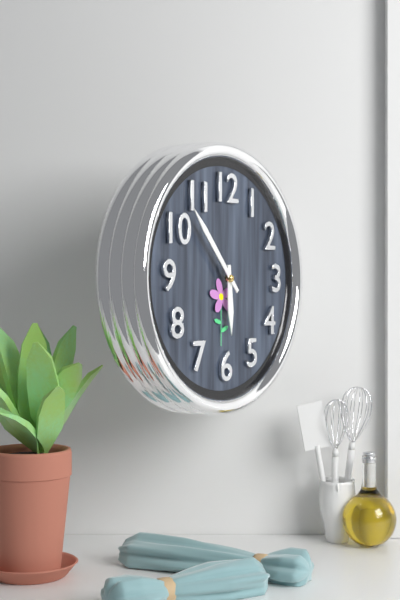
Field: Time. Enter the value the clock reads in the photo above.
5:53
